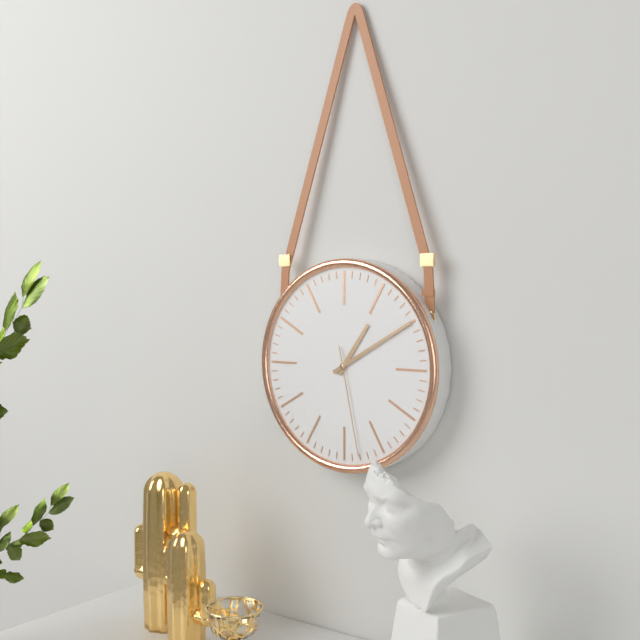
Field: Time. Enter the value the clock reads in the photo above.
1:10:28
